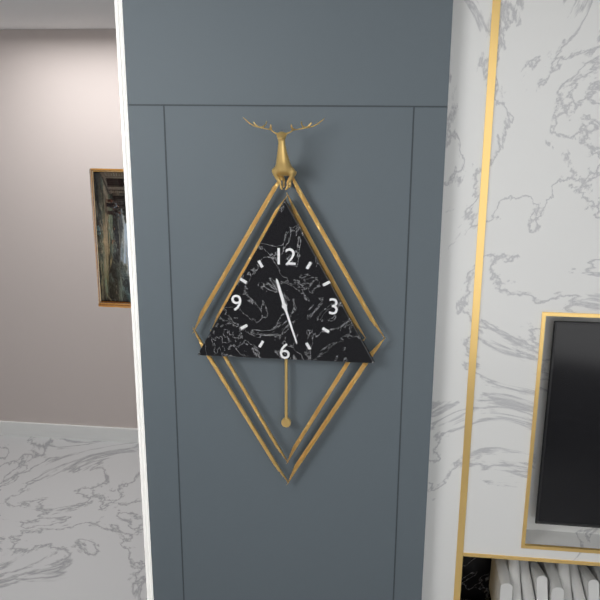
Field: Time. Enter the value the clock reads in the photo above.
11:27
